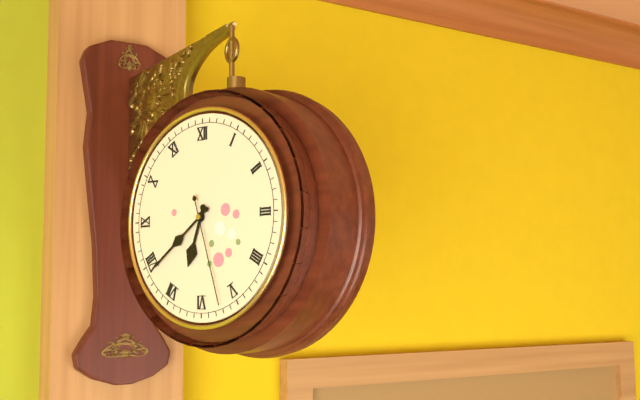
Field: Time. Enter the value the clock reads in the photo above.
6:39:27
